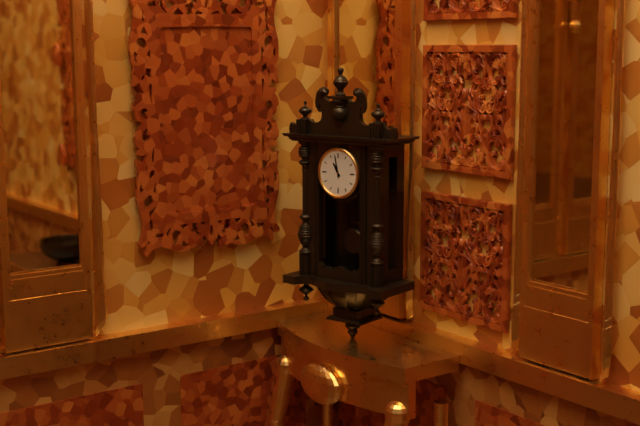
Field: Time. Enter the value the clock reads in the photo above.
10:58
